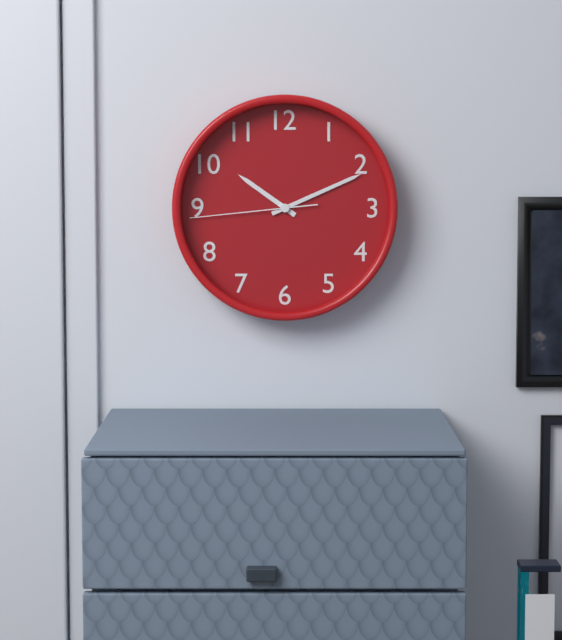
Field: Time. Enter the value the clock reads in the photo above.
10:11:44
